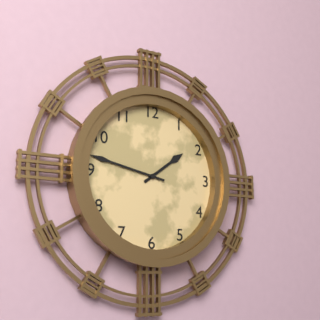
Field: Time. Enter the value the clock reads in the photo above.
1:47
